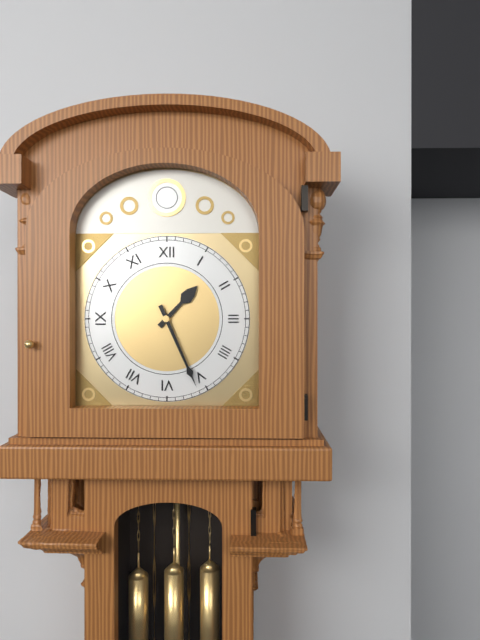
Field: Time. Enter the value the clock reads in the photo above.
1:26
